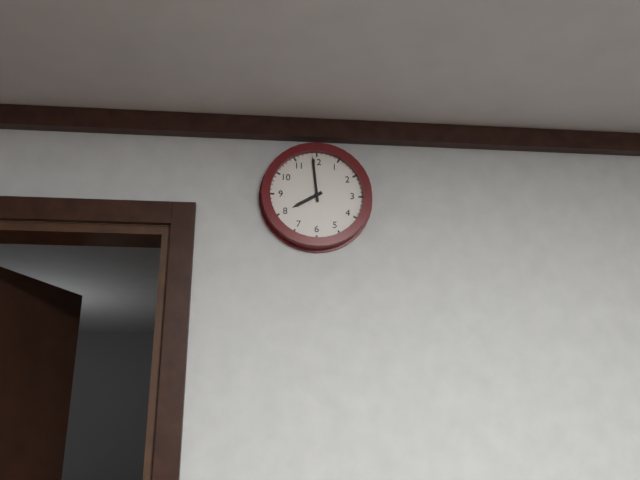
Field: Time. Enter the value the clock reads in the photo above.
7:59
